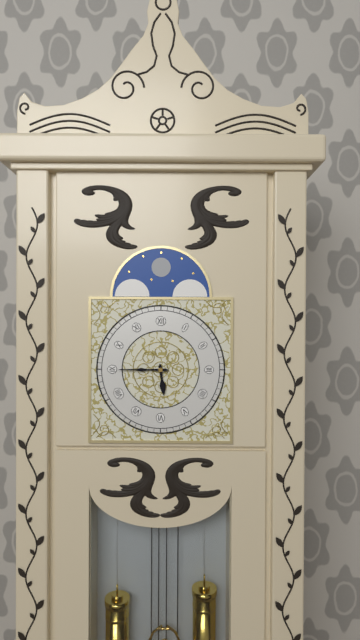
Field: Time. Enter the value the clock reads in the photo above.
5:45
